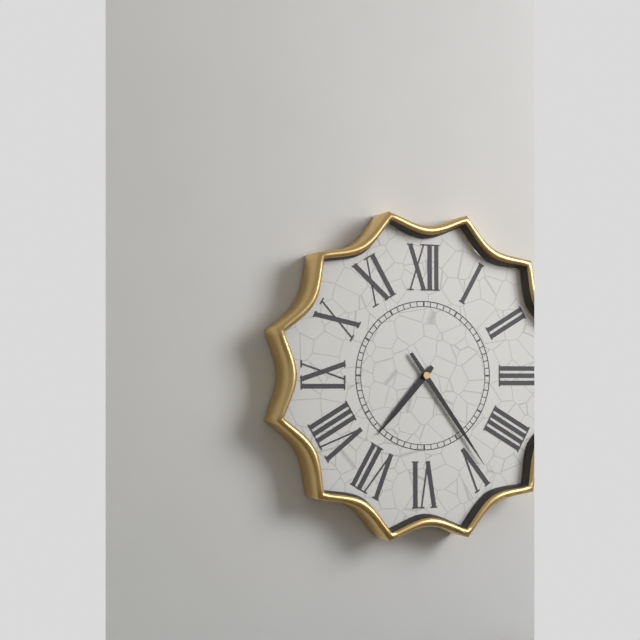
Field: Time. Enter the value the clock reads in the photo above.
7:24
